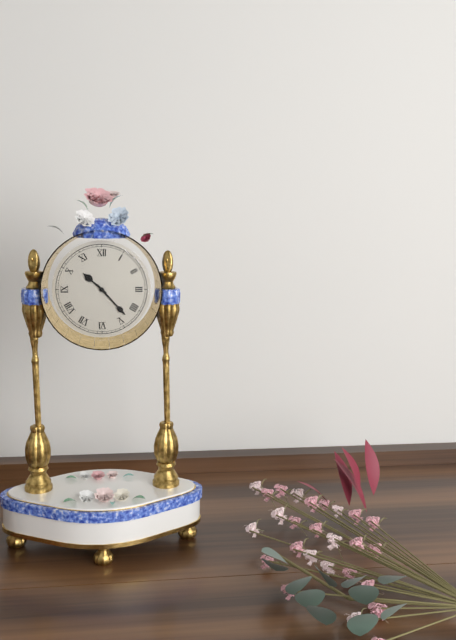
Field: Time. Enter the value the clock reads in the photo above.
10:23
